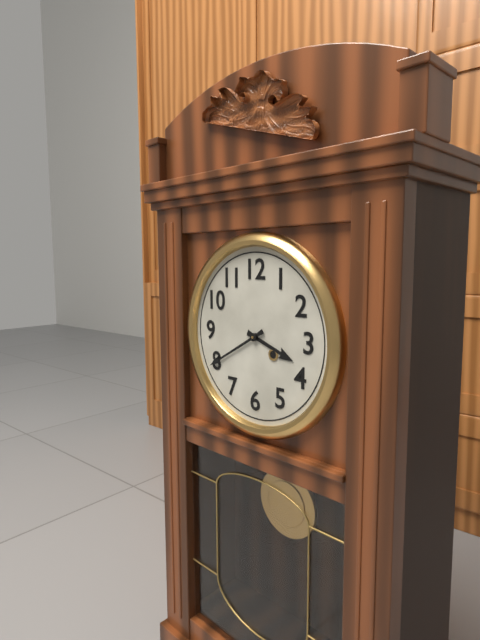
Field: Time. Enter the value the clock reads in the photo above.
3:40
